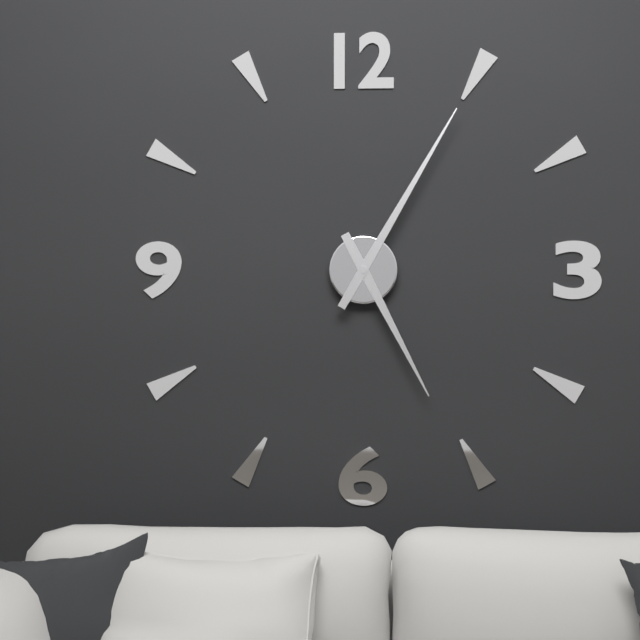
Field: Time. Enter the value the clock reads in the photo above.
5:05
